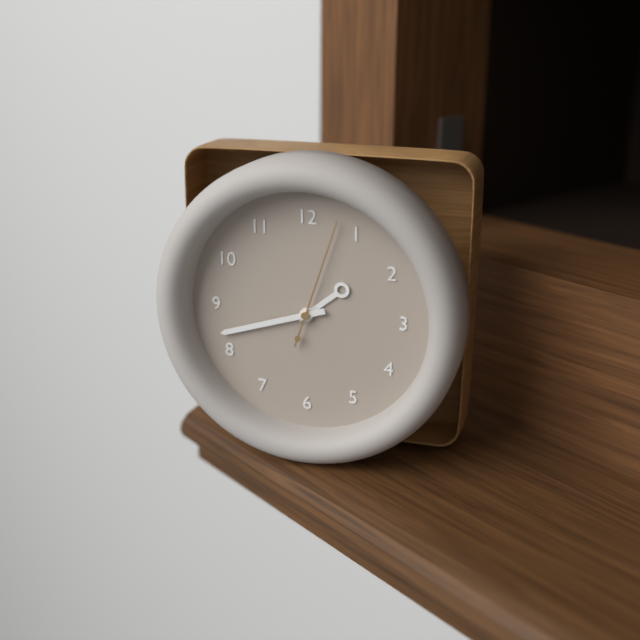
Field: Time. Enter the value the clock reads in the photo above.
1:42:03
